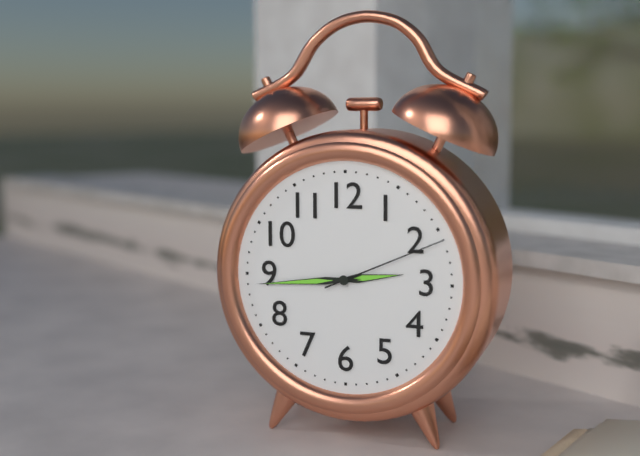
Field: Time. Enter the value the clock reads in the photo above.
2:44:11
